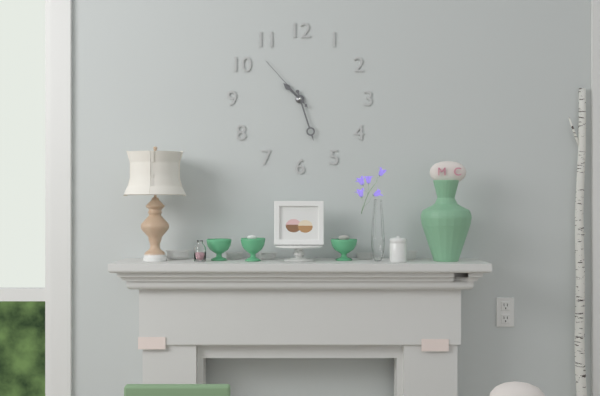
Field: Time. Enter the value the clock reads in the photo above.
10:27:53
